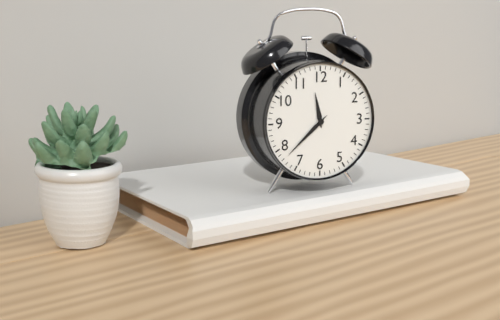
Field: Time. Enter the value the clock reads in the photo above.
11:38
